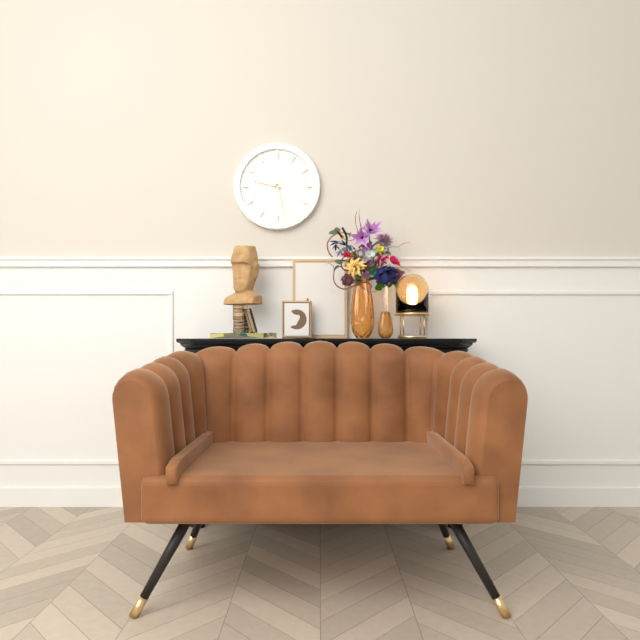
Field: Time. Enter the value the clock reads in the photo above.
9:28
